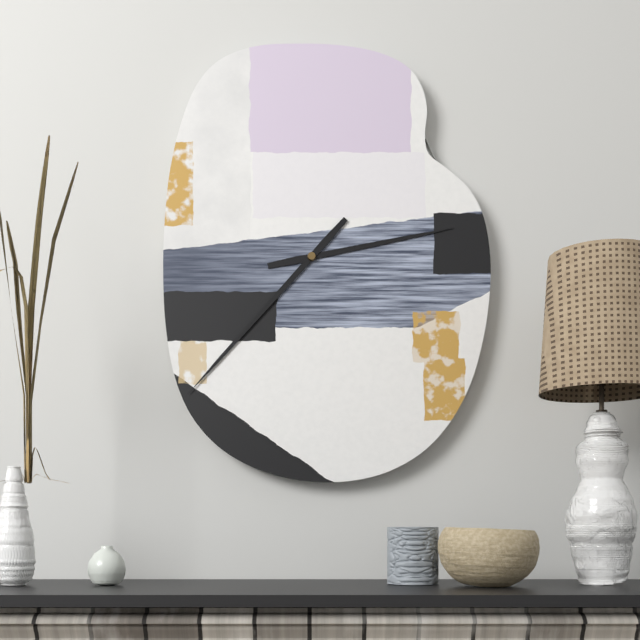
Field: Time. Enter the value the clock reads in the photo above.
2:37
